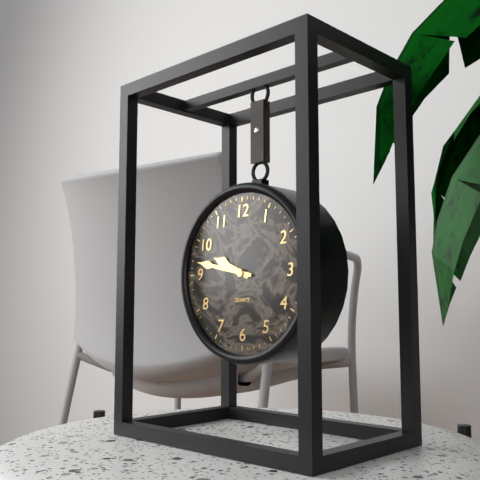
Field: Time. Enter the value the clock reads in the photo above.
9:47
